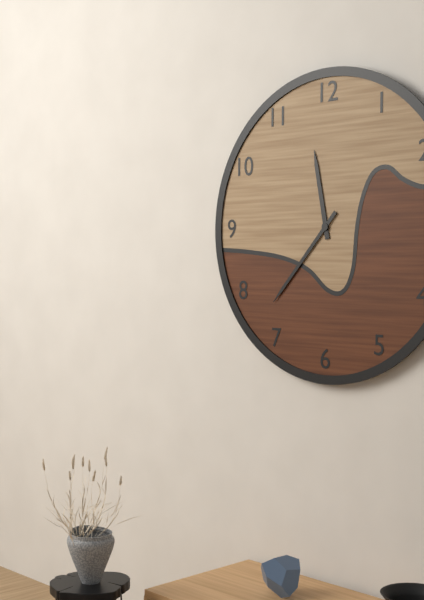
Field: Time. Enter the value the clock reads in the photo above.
11:37
